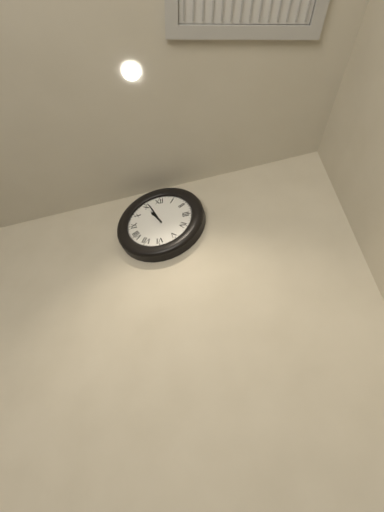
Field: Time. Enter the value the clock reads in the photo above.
10:56
